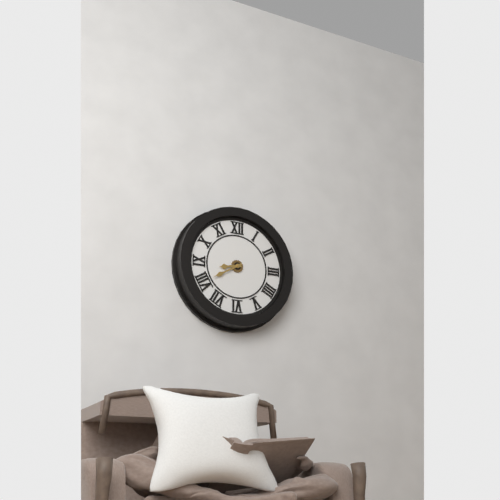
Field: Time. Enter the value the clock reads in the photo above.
8:40
